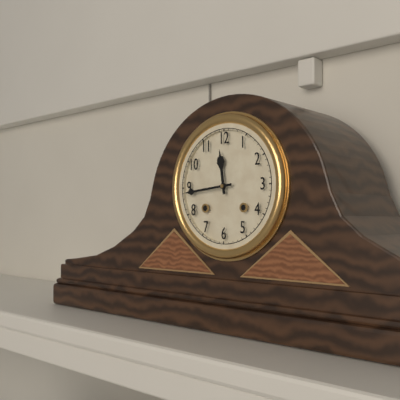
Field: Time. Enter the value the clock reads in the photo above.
11:44
